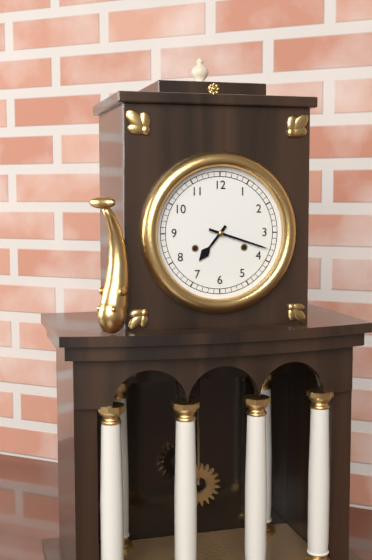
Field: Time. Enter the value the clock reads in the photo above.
7:18
